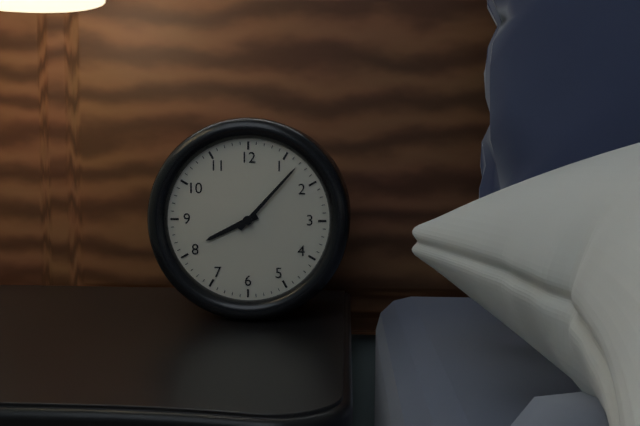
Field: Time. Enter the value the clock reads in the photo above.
8:07
